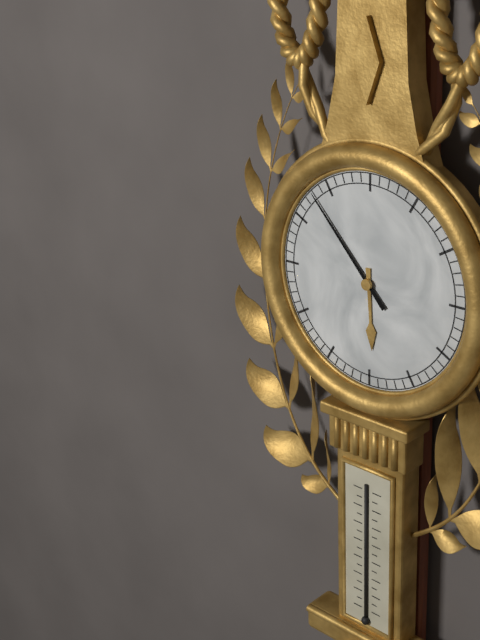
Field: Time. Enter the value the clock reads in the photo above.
5:53
